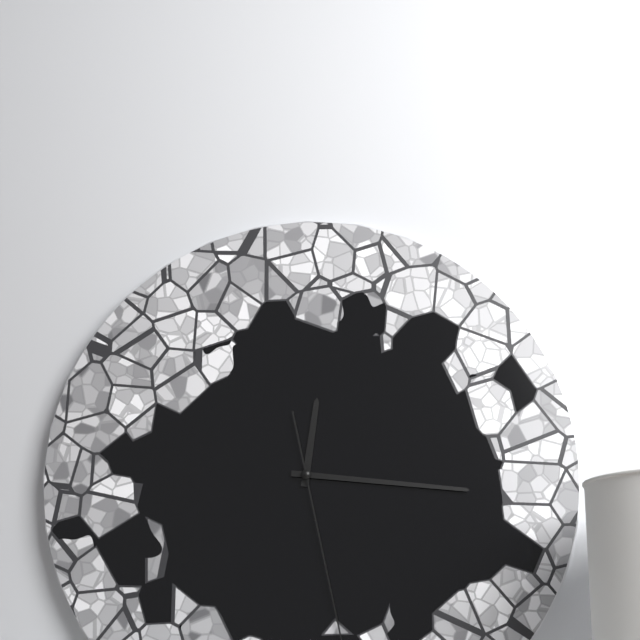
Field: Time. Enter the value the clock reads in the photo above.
12:16
